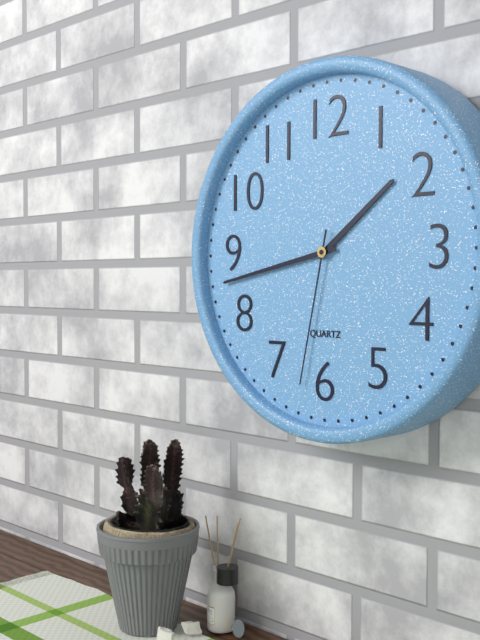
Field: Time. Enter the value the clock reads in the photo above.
1:43:32
